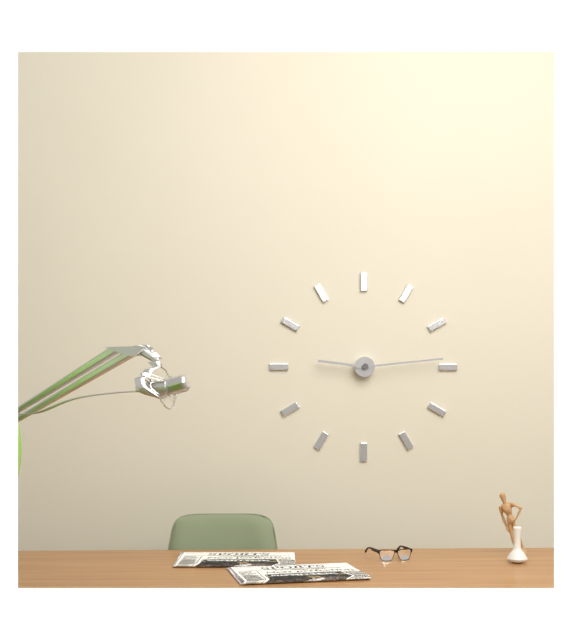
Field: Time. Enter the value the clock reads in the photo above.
9:14
